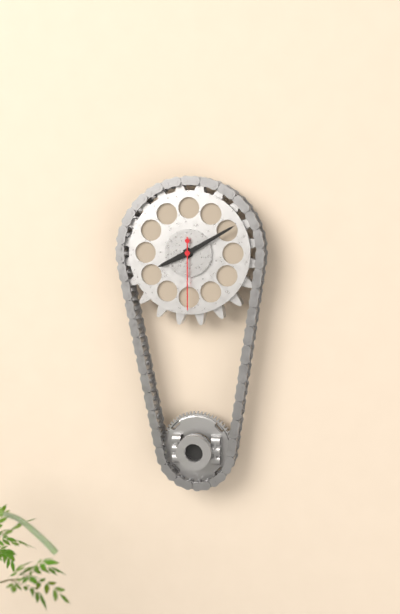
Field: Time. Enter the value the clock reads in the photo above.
8:10:30
